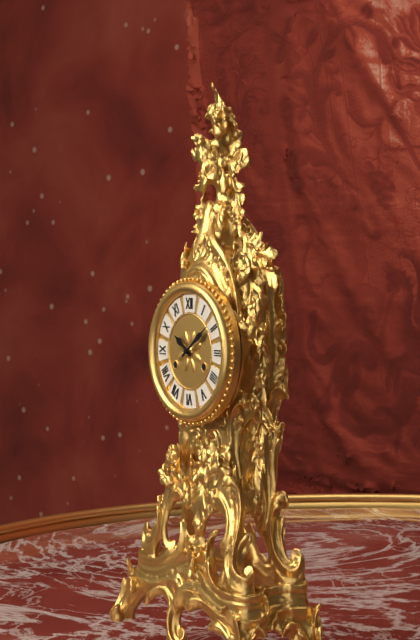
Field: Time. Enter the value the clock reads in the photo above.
10:09
